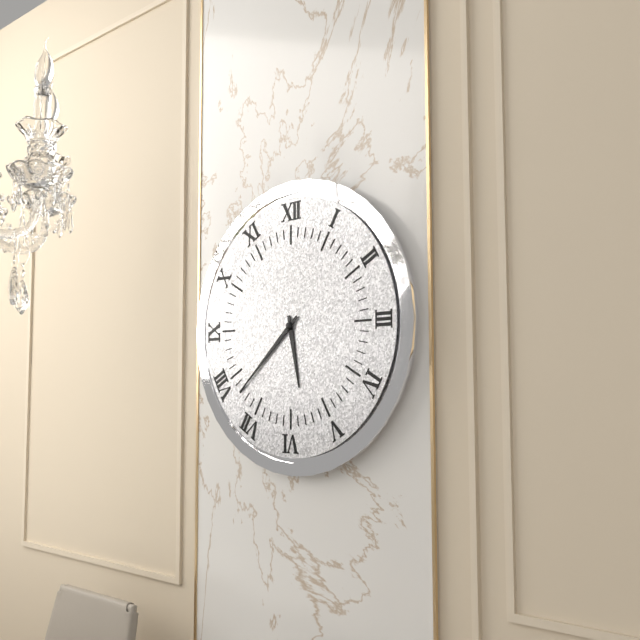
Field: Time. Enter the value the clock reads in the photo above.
5:38
